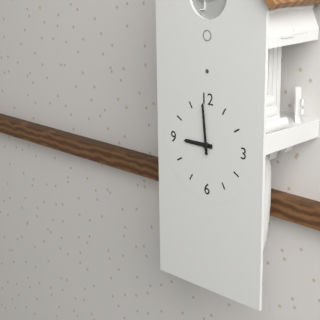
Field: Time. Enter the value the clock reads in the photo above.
8:59
